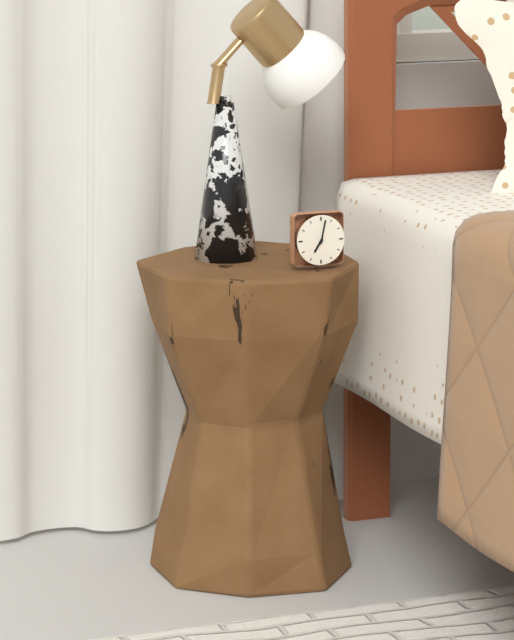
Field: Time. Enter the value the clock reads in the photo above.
7:02
